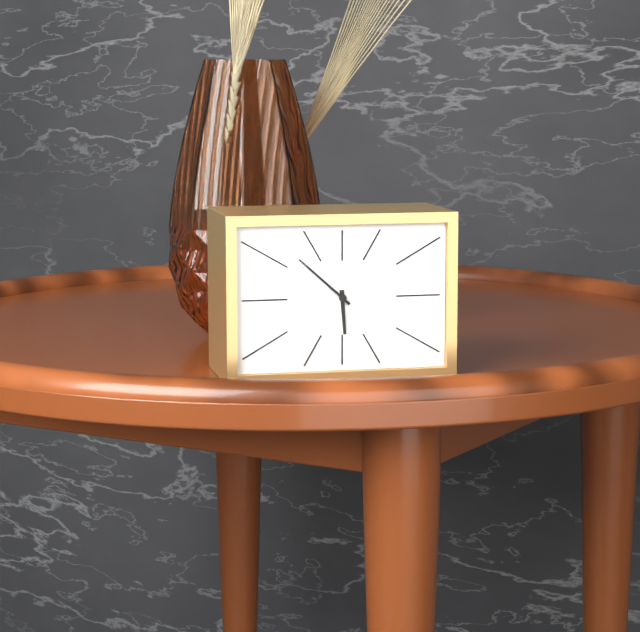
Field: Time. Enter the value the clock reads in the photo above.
5:52
